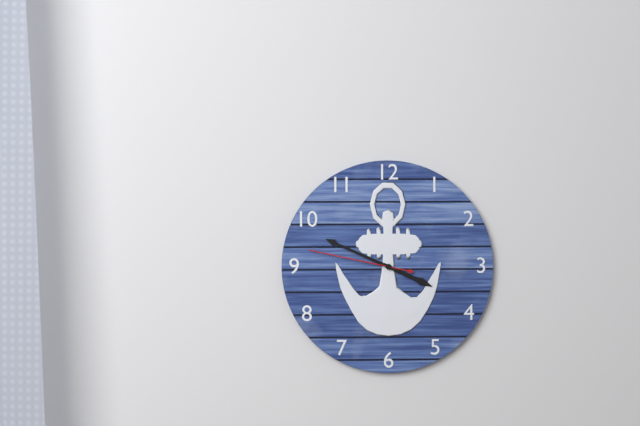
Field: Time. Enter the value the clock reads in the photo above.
3:49:47
